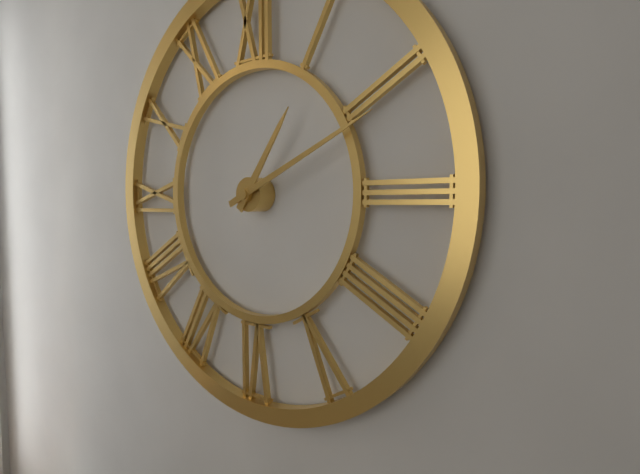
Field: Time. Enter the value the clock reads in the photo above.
1:11
